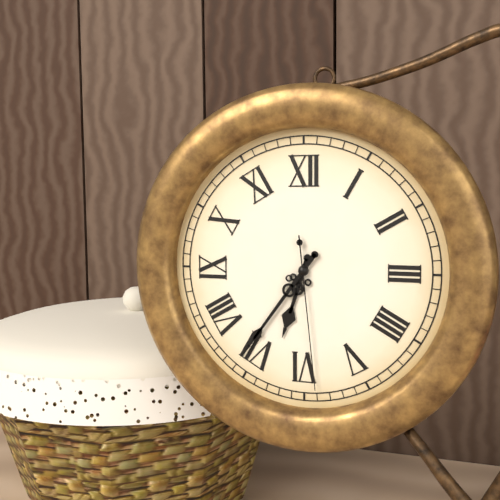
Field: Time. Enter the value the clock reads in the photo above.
6:36:29
